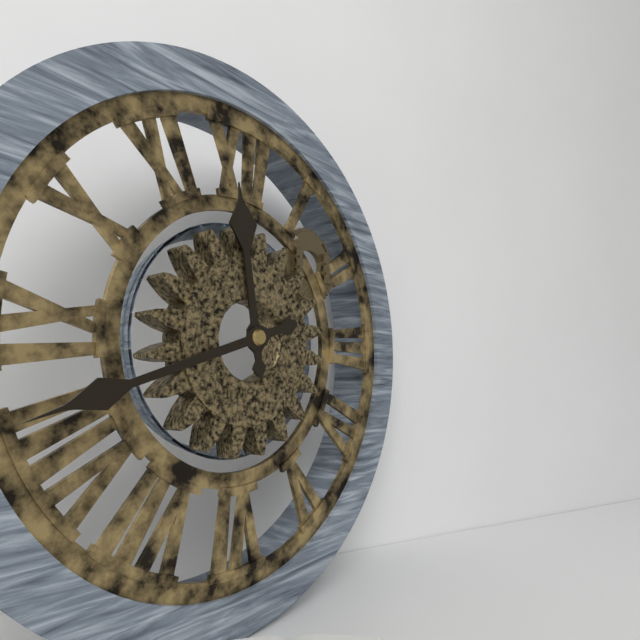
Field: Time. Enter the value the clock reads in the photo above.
11:42
